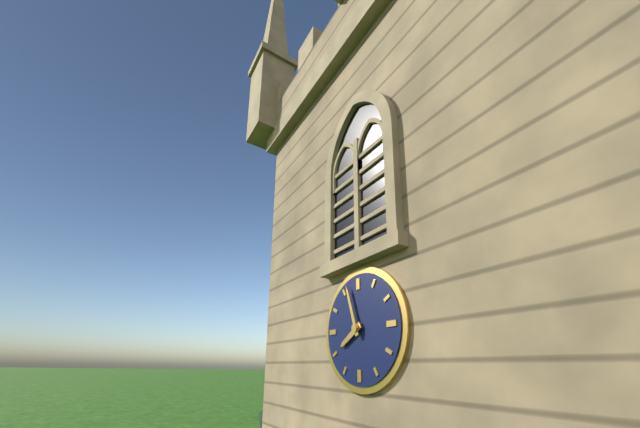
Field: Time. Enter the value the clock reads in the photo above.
7:57
